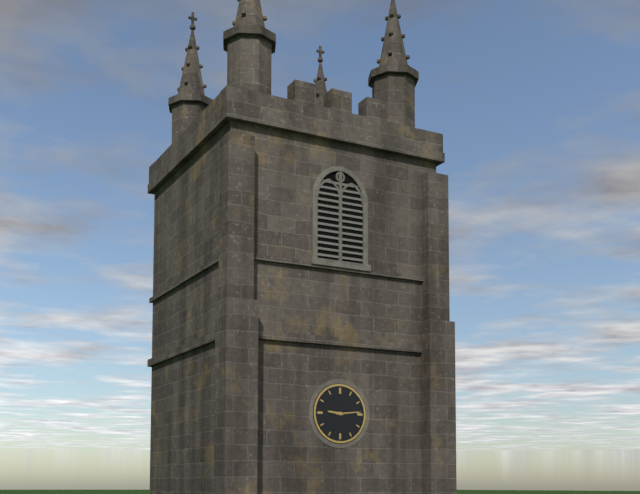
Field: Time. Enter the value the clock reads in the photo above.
9:14
